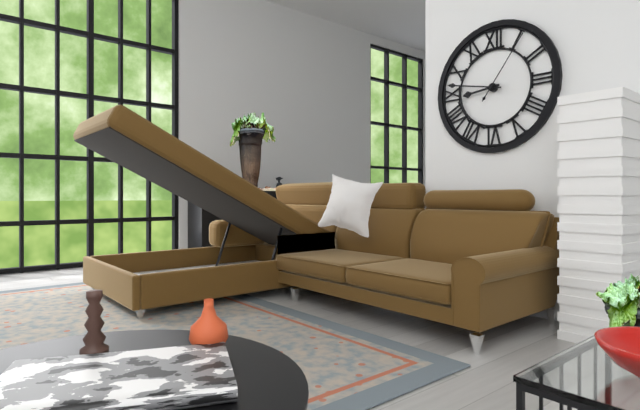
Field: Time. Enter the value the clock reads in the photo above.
8:47:06
